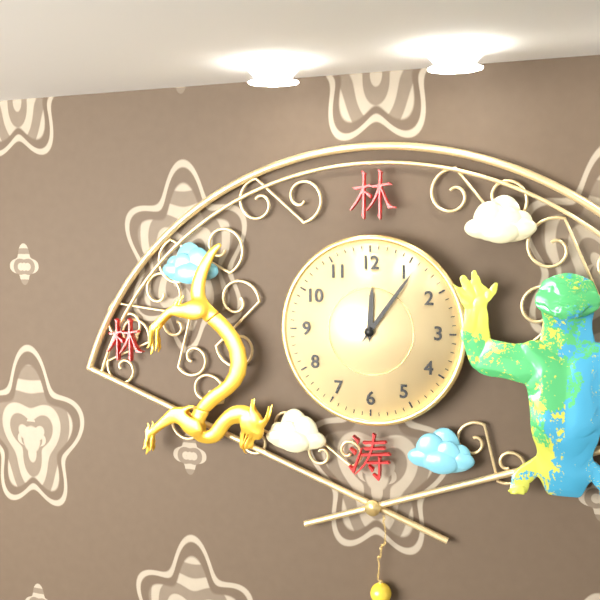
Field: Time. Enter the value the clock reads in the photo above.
12:06
